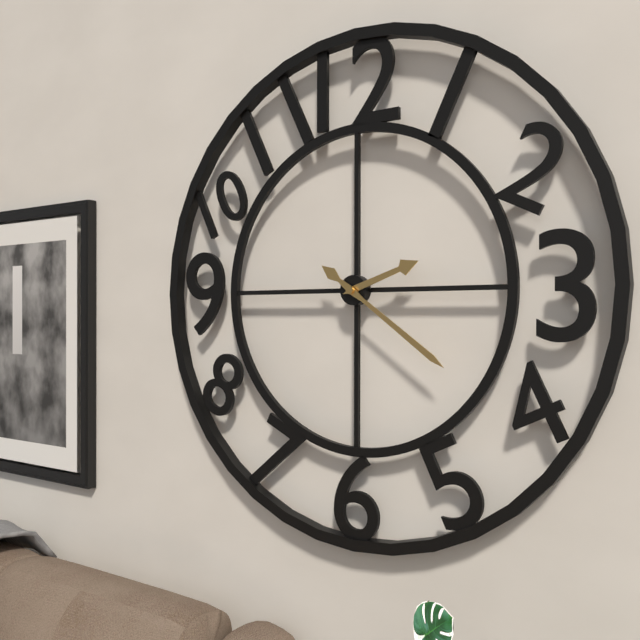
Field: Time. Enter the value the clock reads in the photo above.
2:21
